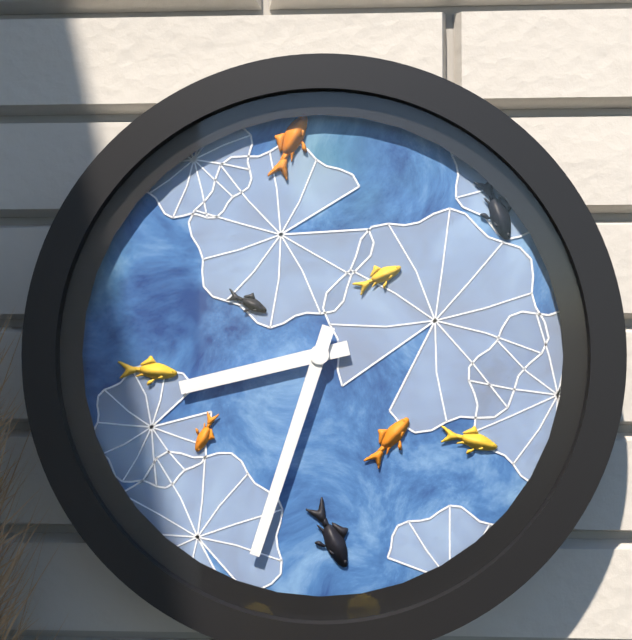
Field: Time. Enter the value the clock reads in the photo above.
8:33
